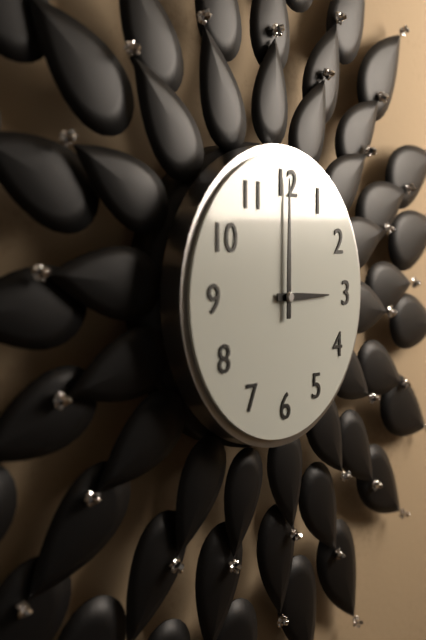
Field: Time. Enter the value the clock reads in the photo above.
3:00
